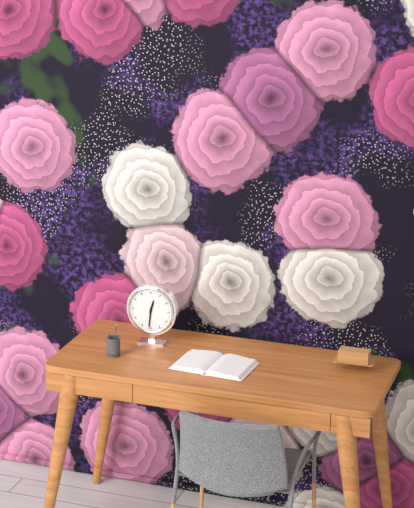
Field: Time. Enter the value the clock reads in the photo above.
12:31
